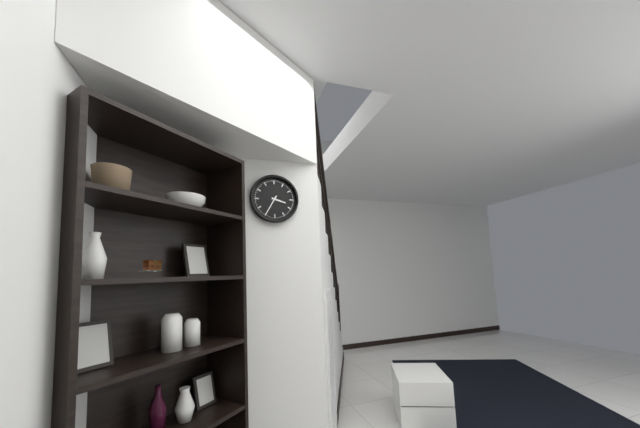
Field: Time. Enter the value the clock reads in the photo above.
3:35
